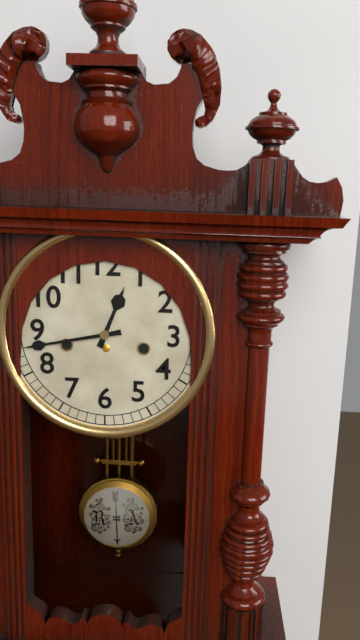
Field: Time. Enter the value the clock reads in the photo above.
12:43
